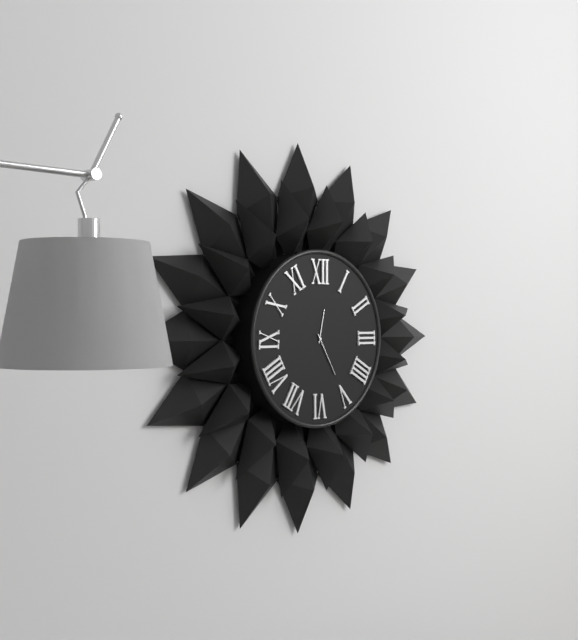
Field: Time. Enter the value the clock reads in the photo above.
12:25
